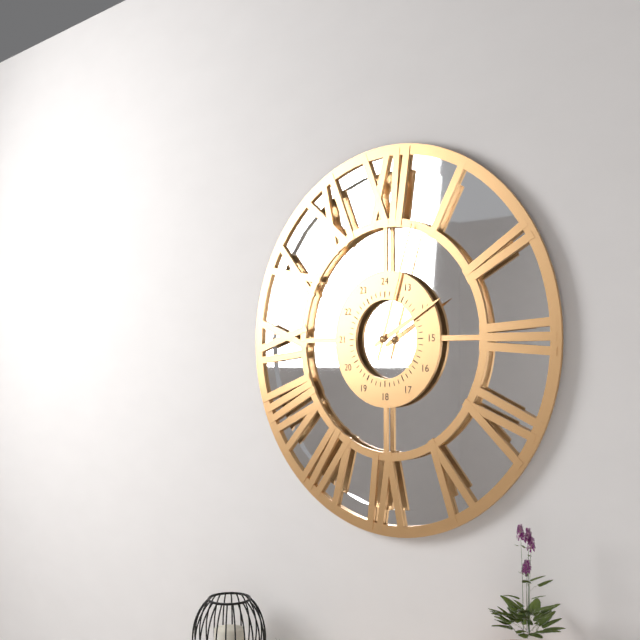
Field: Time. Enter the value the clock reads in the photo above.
2:03
